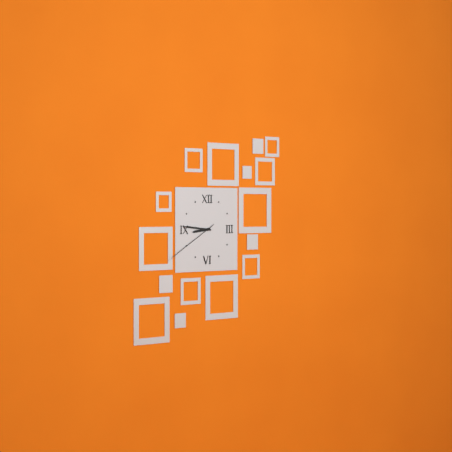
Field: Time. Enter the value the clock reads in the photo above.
8:46:40
